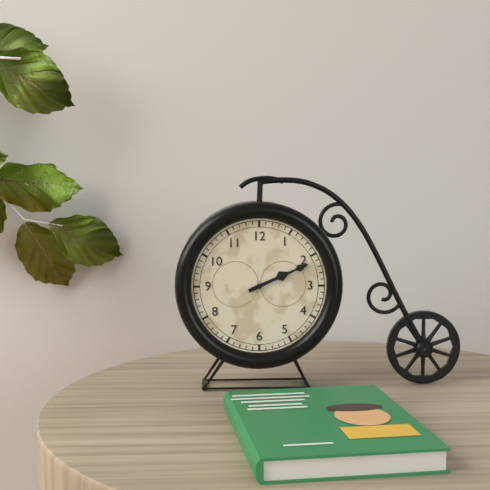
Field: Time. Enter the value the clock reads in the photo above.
2:11
